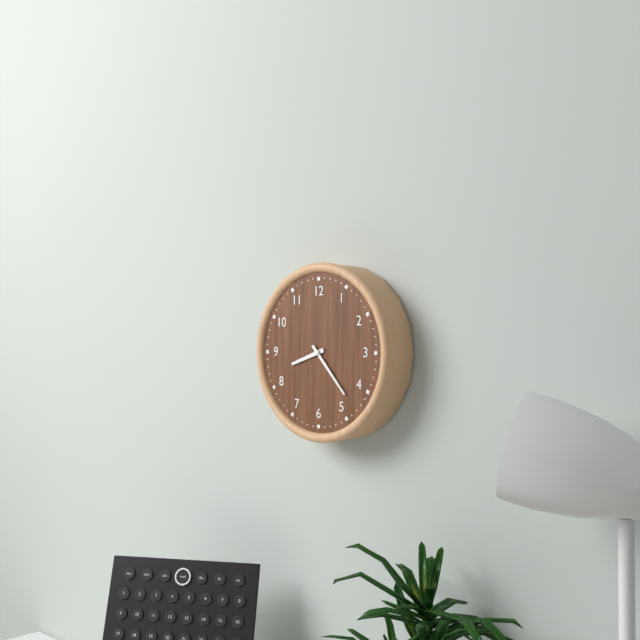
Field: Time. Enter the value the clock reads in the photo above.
8:23
